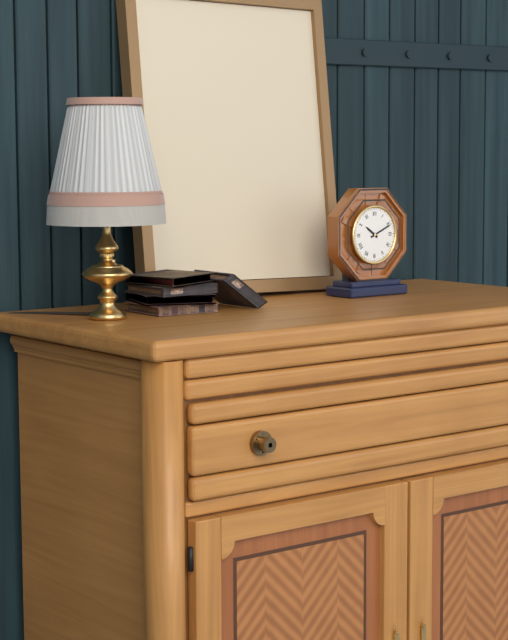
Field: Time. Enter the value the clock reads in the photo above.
10:11
